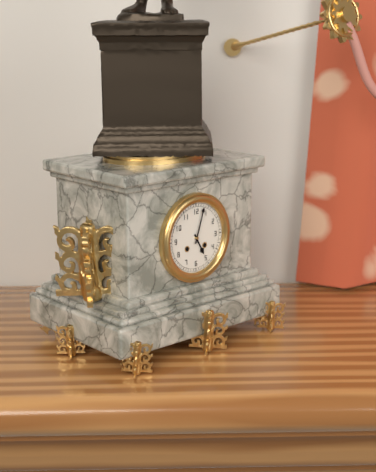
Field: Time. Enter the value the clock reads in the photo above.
5:03
